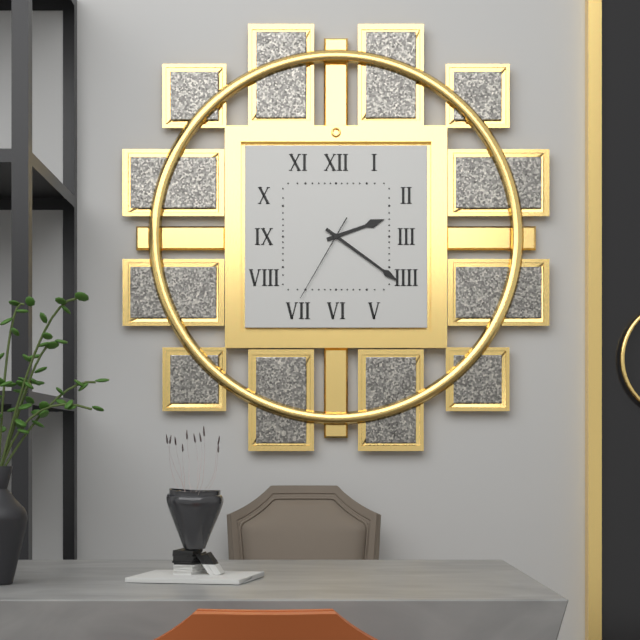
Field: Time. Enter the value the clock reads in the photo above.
2:21:35
